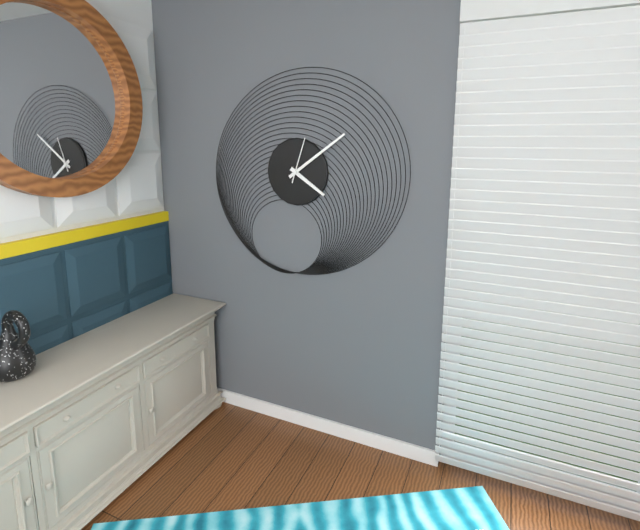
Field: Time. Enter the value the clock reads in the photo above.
4:09
